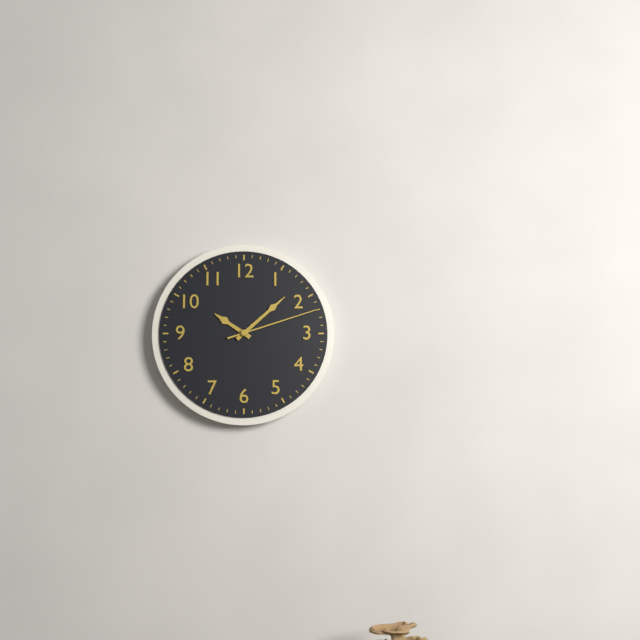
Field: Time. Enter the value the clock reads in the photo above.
10:08:12
